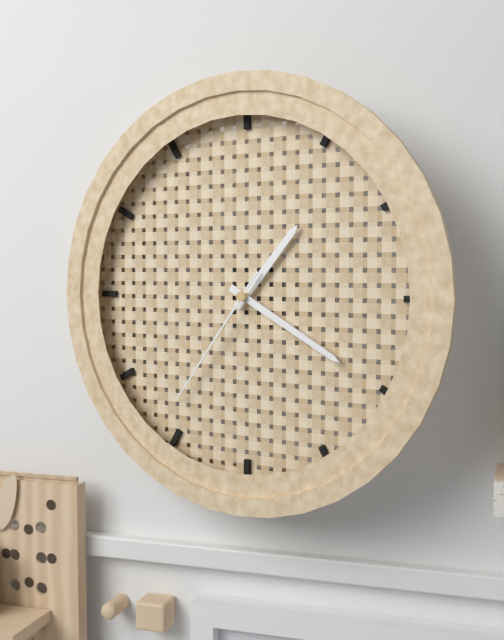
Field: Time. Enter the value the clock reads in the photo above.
1:20:36
